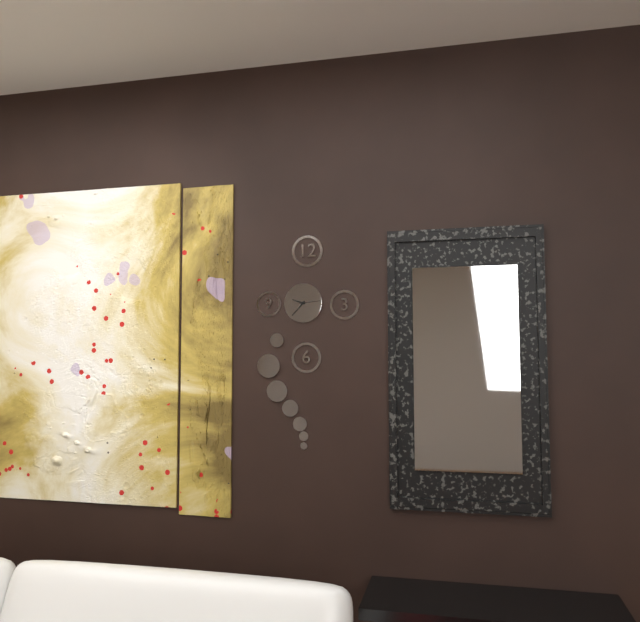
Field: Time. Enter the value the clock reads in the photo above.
9:37
